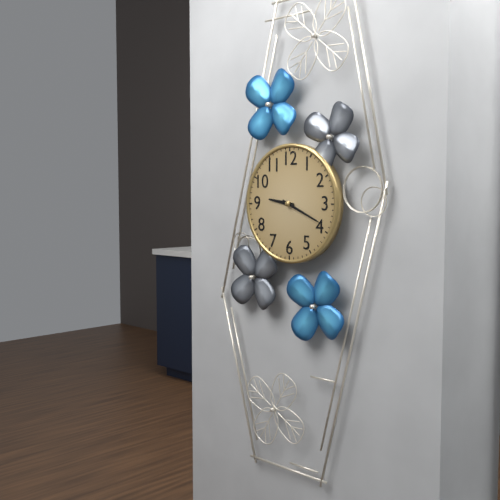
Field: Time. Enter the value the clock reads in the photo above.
9:19
